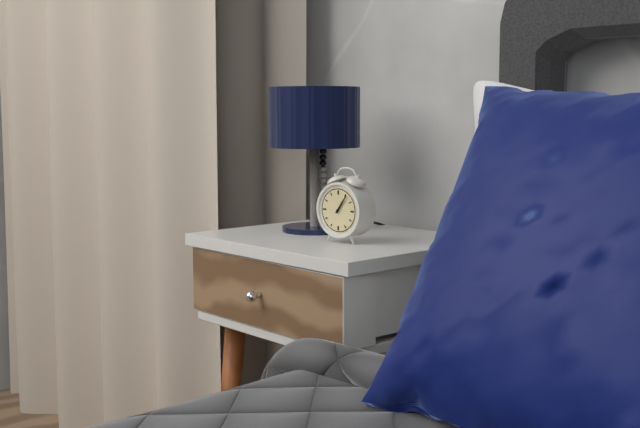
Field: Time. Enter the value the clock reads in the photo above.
1:06
